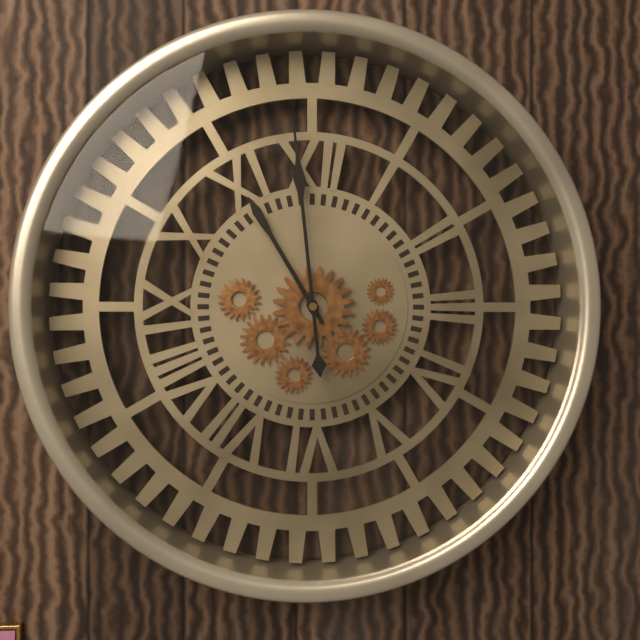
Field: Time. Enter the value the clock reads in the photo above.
10:59
